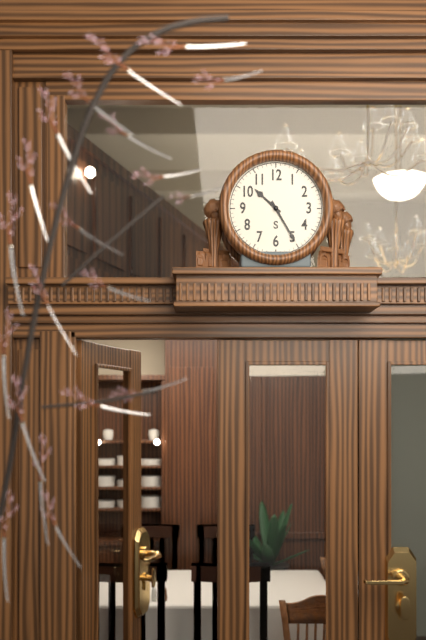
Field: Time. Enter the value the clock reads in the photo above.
10:25
